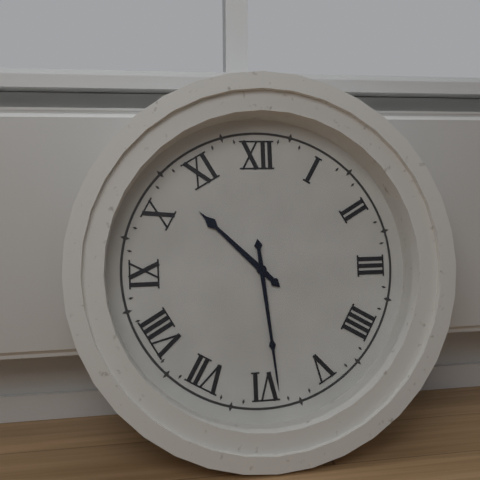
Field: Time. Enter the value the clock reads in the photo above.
10:29
